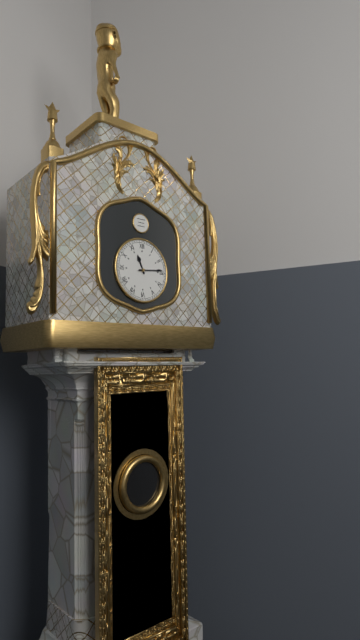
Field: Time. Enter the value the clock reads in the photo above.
11:14
